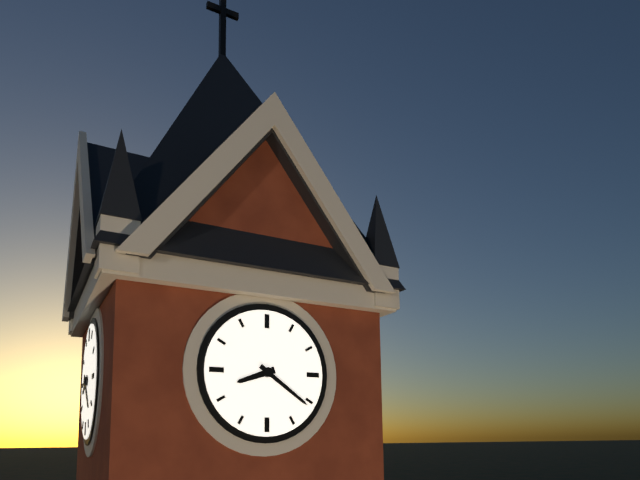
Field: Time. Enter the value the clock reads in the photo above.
8:21
